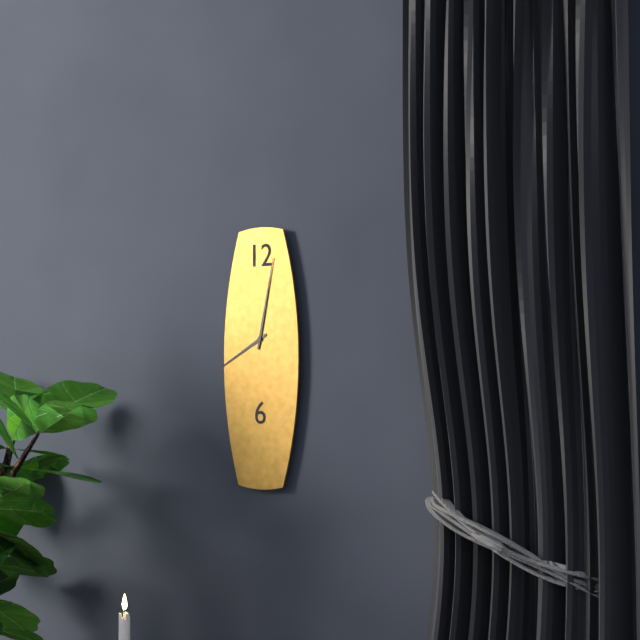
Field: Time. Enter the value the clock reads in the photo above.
8:02
